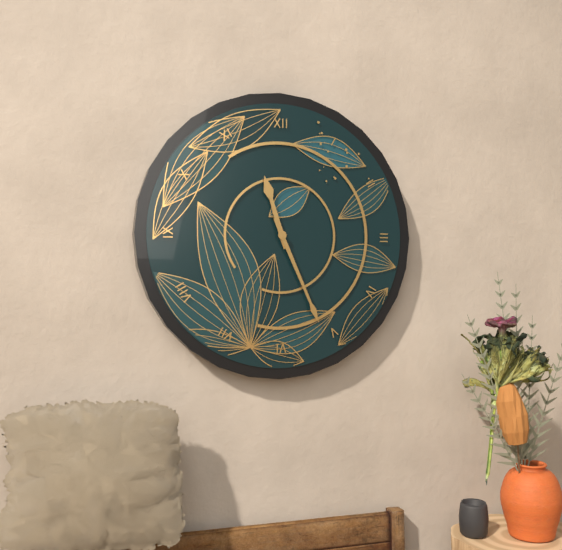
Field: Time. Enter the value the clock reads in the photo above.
11:26
